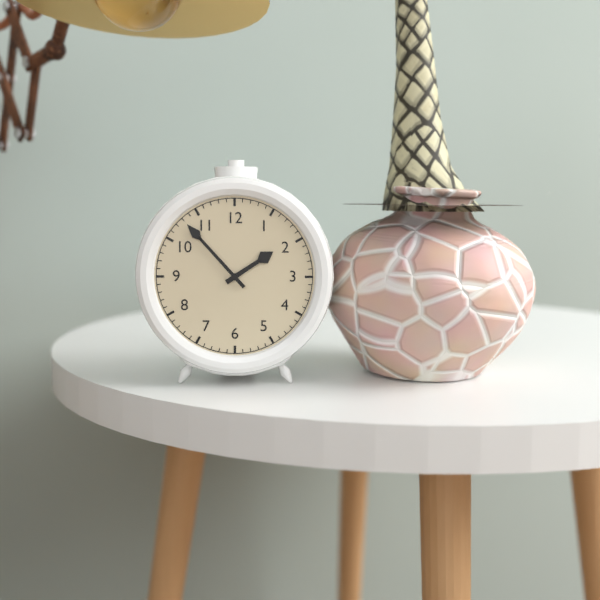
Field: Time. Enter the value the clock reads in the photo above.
1:53
